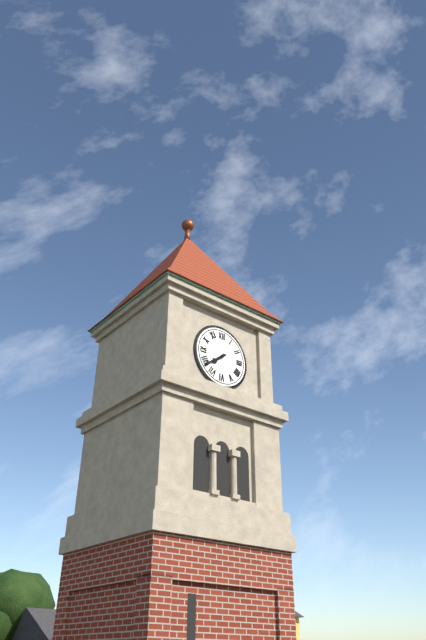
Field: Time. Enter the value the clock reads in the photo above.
7:39
